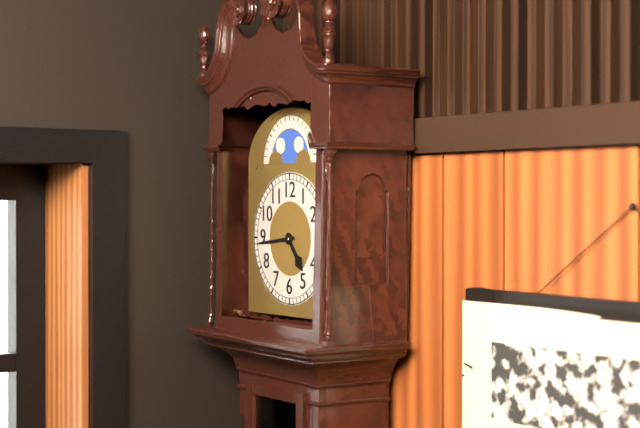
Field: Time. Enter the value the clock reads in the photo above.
4:44
